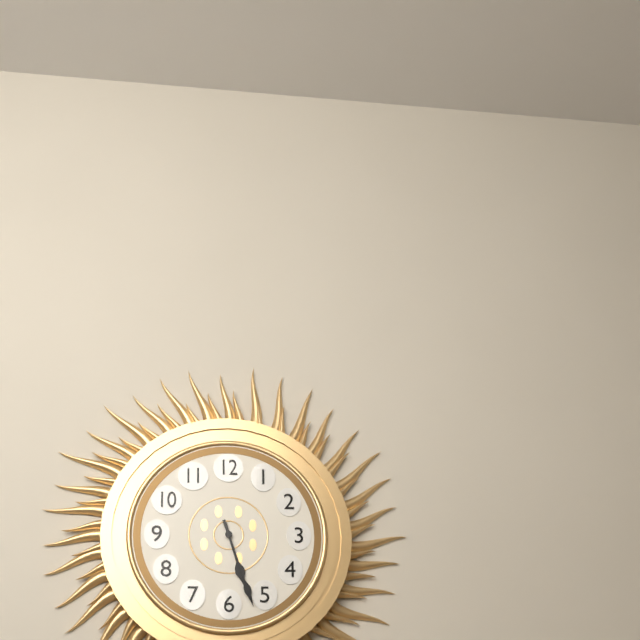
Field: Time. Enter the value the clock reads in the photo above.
5:27
